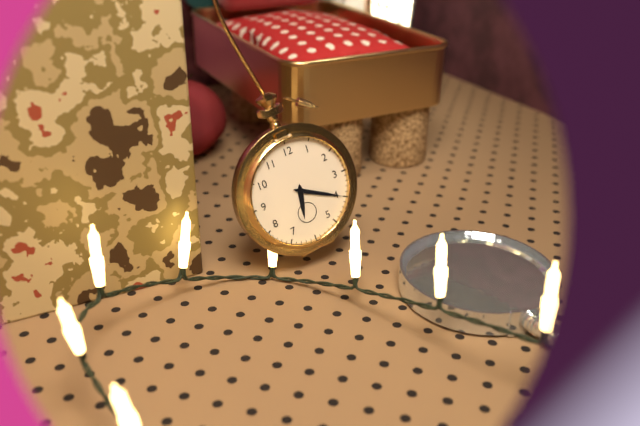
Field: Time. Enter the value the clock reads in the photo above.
6:20
